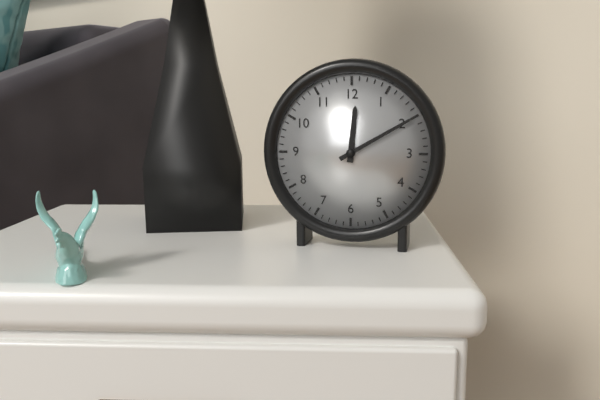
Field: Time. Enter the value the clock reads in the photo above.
12:10
